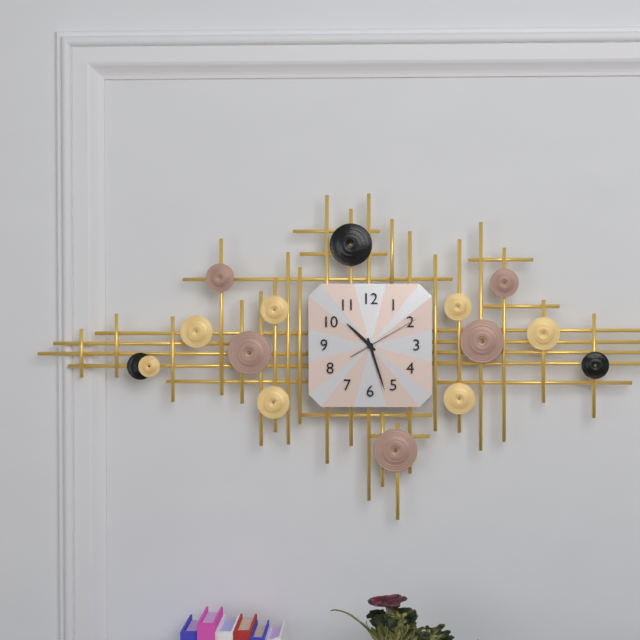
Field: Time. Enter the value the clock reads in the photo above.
10:27:10
